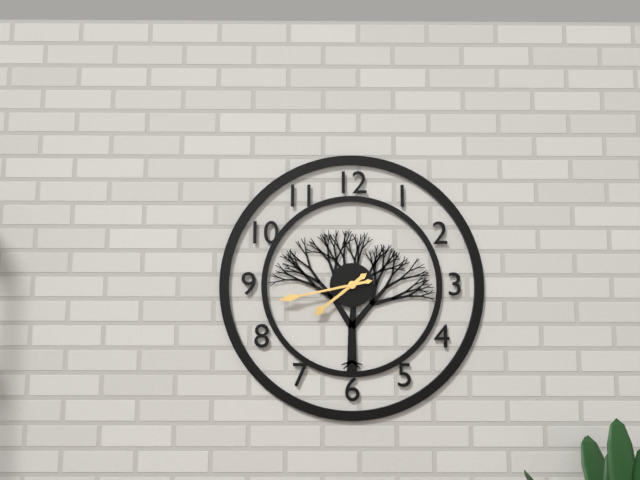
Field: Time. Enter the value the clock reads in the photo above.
7:43
